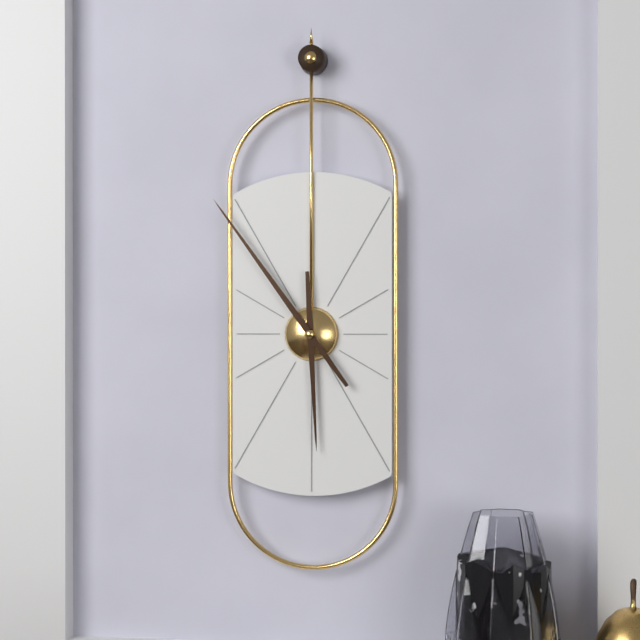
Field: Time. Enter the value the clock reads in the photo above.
5:54
